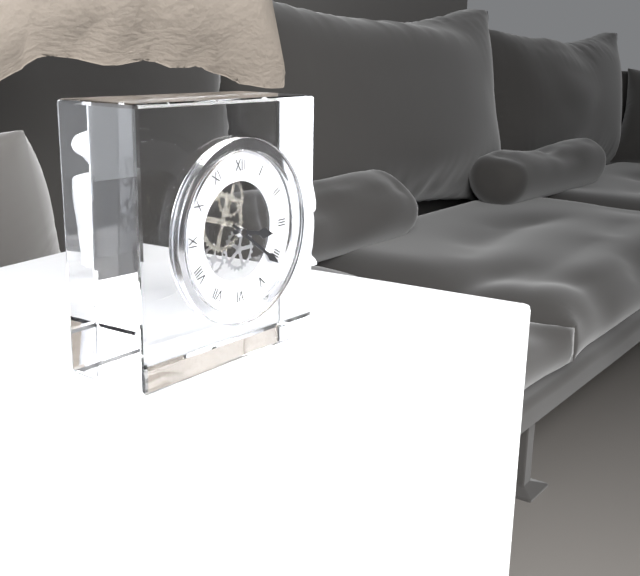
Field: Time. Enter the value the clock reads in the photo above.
3:21
